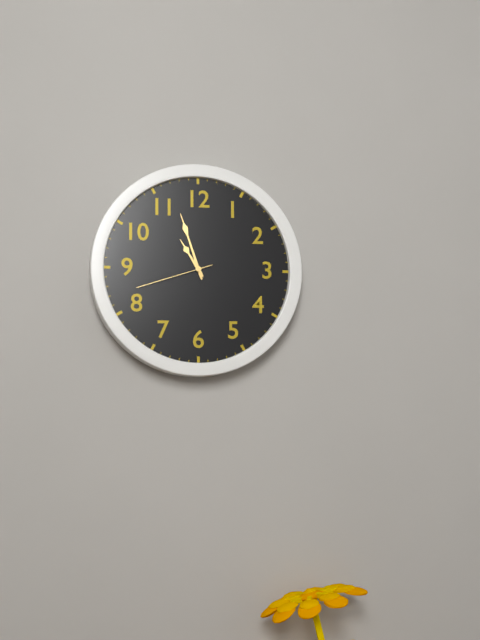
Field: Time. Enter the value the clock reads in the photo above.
10:57:42
